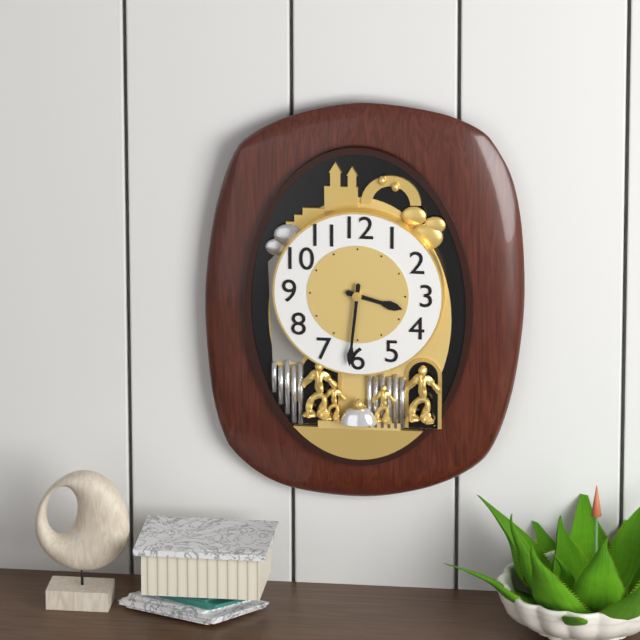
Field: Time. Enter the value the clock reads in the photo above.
3:31
